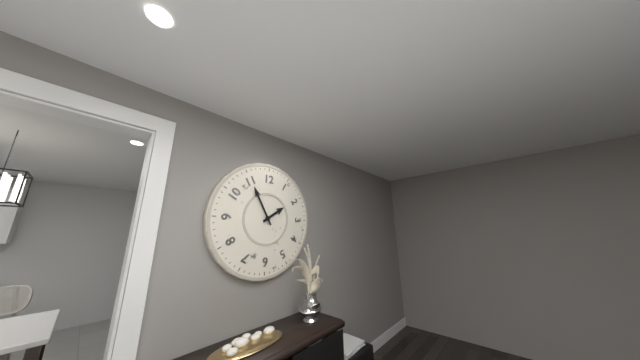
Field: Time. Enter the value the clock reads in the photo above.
1:55
